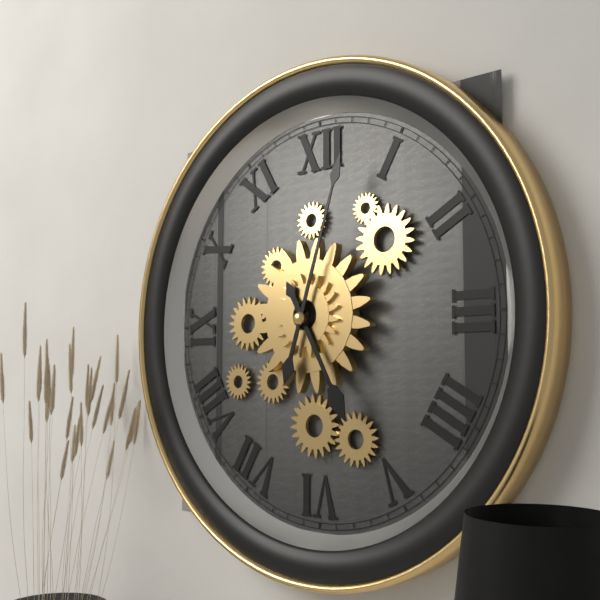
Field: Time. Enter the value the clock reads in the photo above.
5:03
